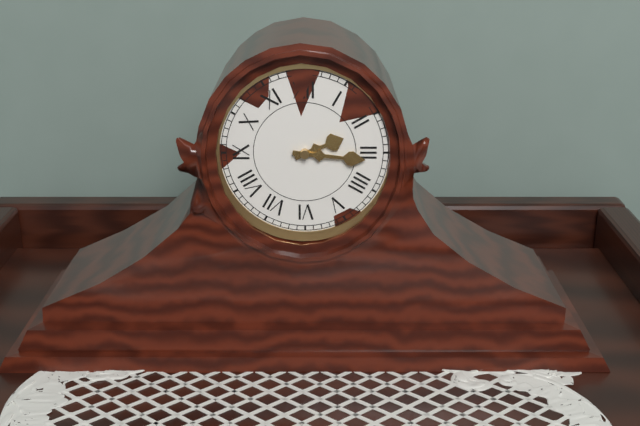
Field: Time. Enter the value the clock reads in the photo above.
2:16
